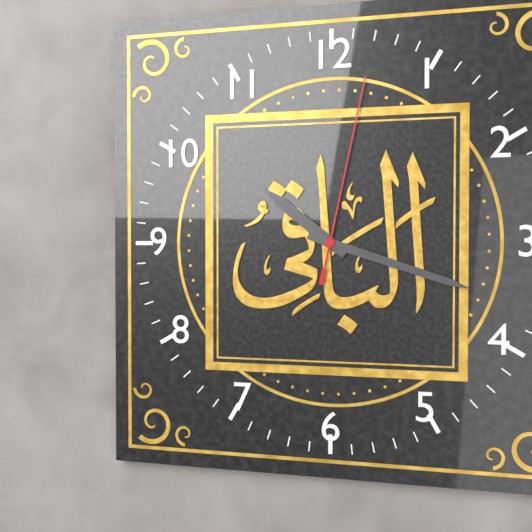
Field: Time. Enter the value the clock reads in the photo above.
10:18:02
